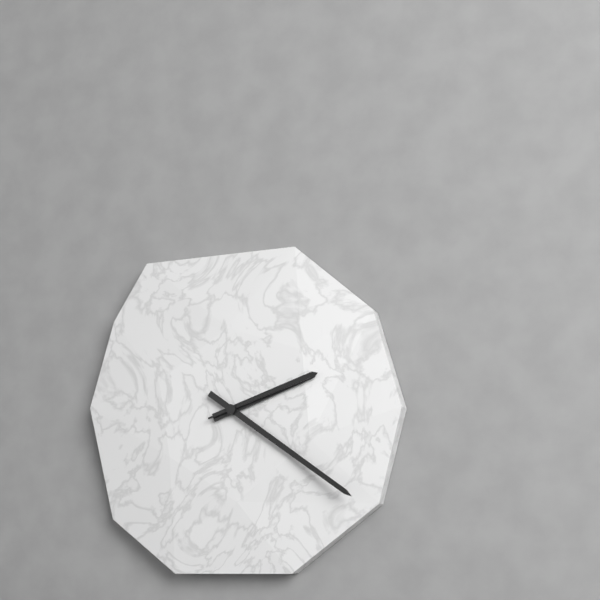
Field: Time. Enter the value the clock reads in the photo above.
2:21:12
